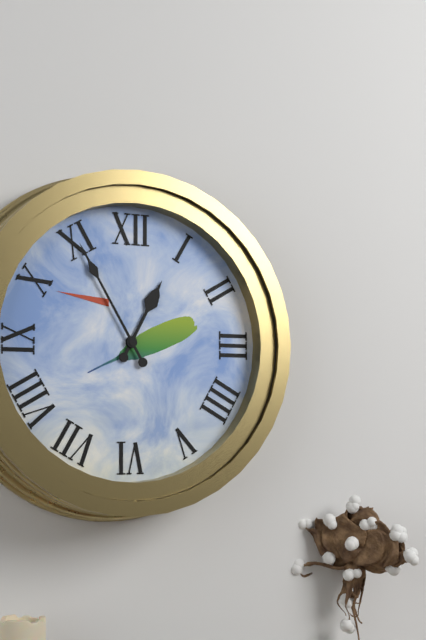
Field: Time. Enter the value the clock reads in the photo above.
12:55
